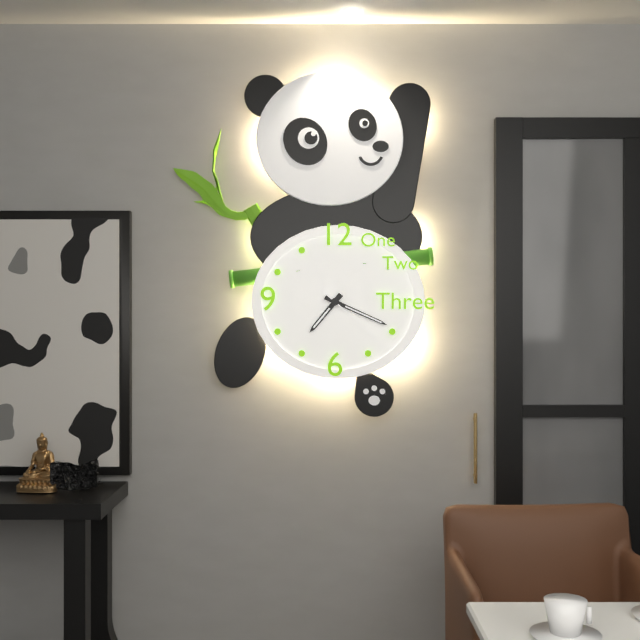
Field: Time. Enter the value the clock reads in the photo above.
7:19:22
